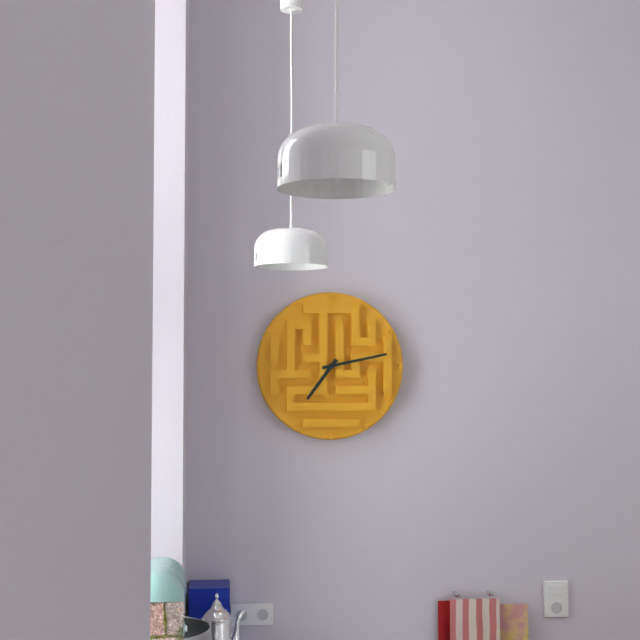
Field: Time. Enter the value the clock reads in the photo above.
7:13
